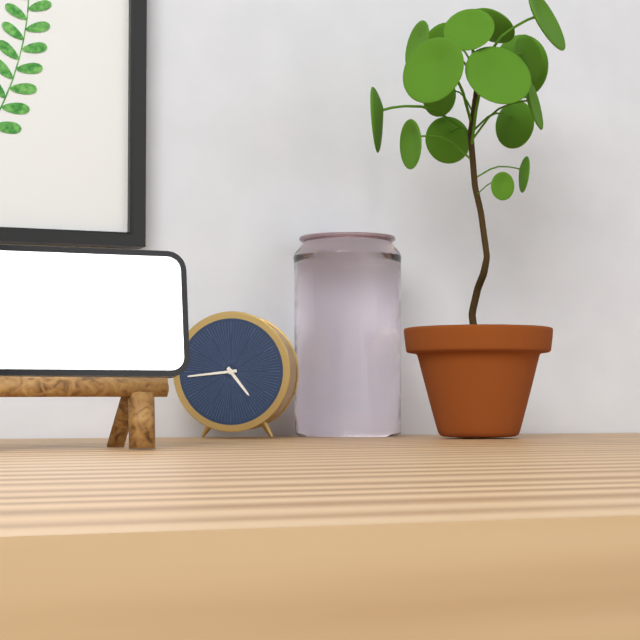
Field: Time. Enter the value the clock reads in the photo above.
4:44
